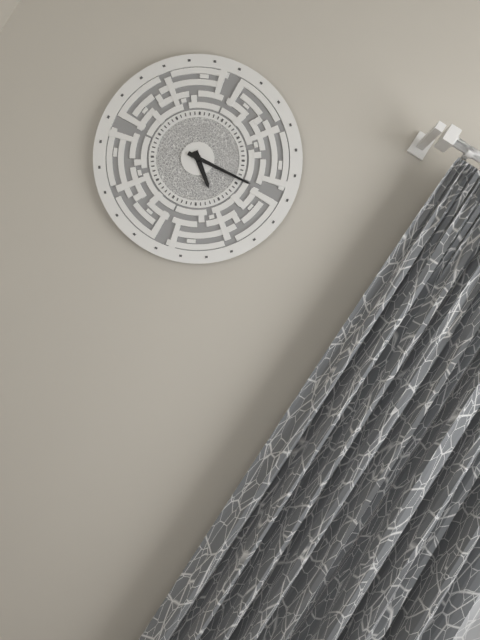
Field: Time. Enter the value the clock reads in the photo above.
4:14
